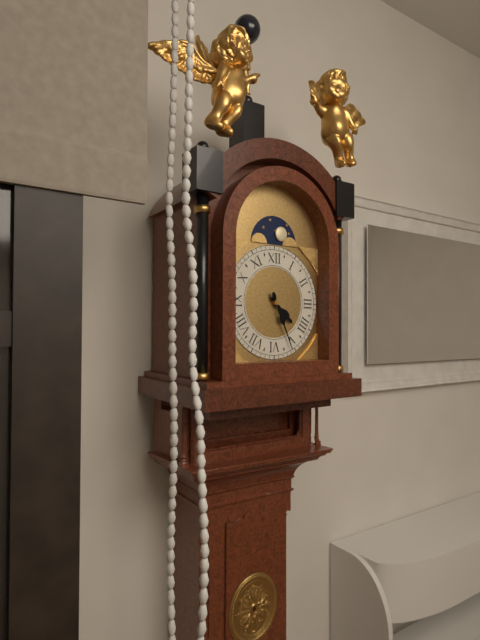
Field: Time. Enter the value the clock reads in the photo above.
4:26
